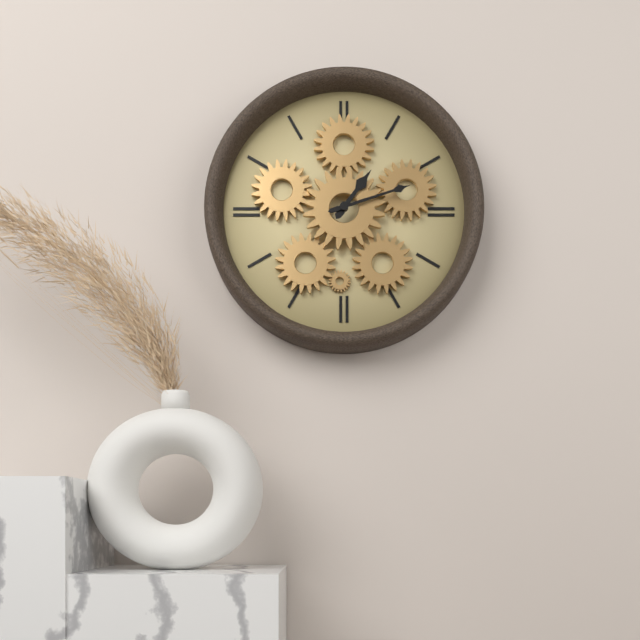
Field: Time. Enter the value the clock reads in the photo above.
1:12
